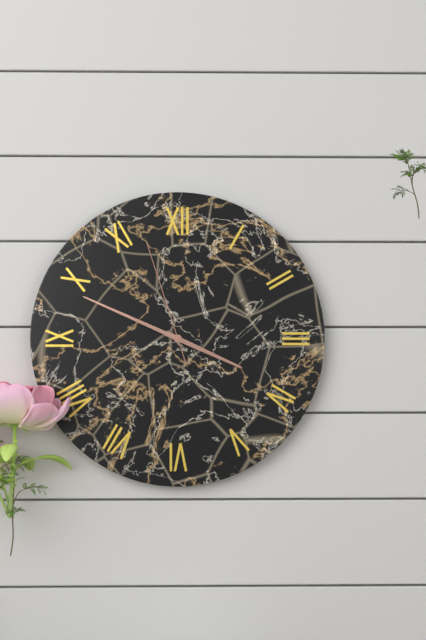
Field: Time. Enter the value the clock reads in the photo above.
3:49:57
